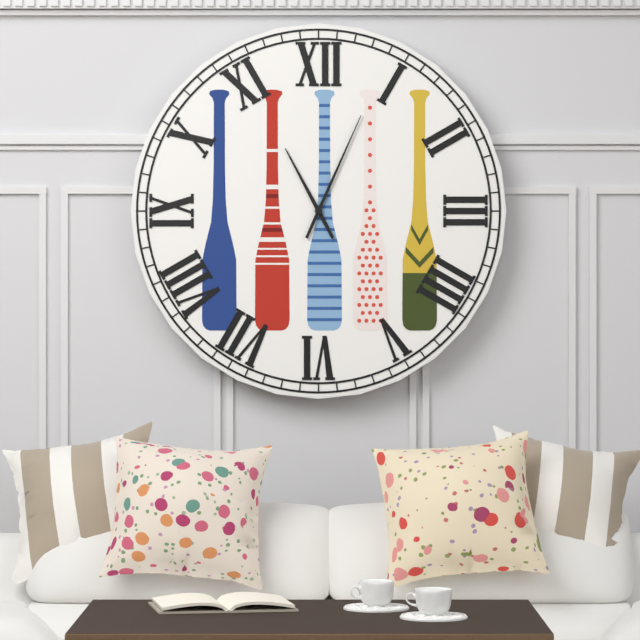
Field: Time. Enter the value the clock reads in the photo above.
11:04
